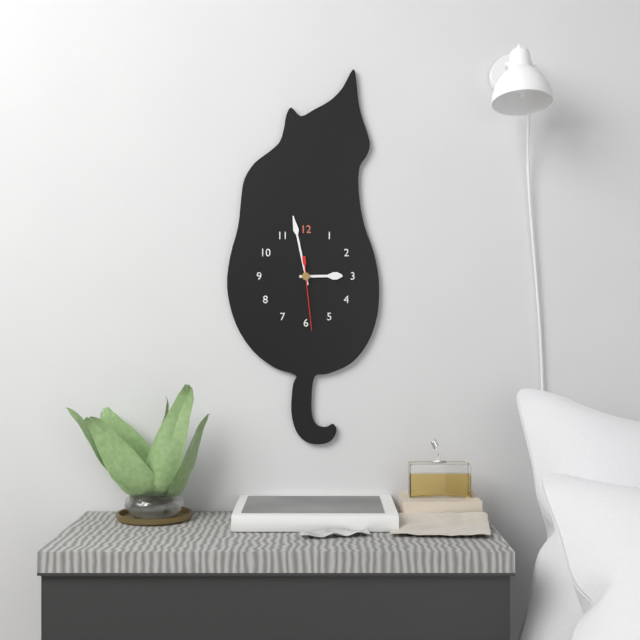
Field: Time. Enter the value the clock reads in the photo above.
2:58:29
